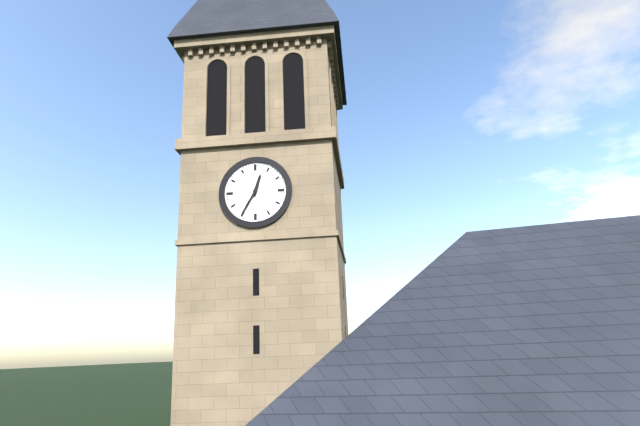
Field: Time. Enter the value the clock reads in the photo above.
12:35
